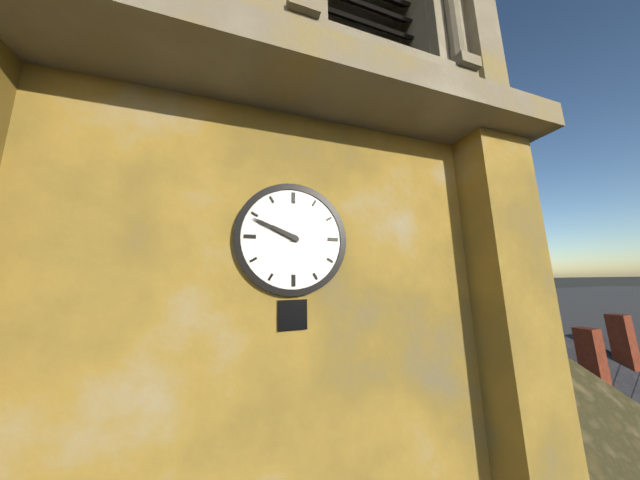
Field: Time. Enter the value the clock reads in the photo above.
9:49
